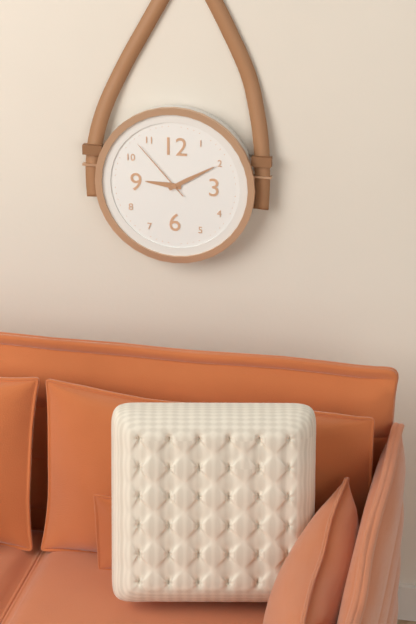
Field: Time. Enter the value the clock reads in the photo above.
9:10:53
